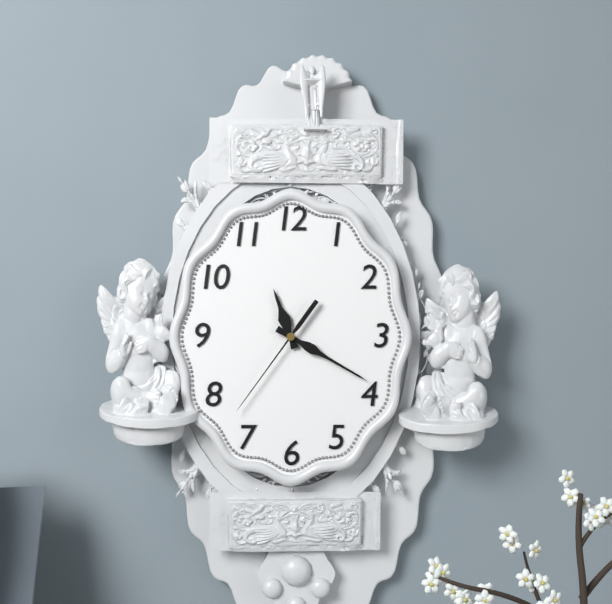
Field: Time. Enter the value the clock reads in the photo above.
11:20:36
